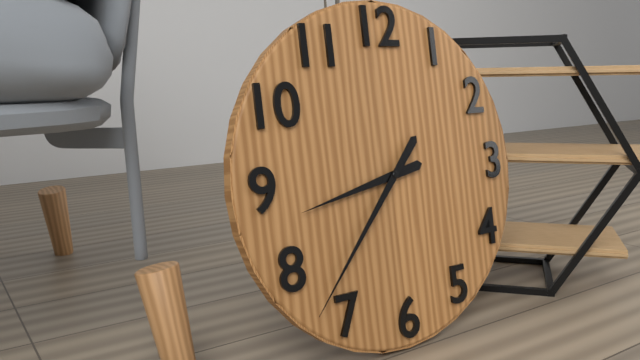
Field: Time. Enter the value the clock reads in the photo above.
8:37
